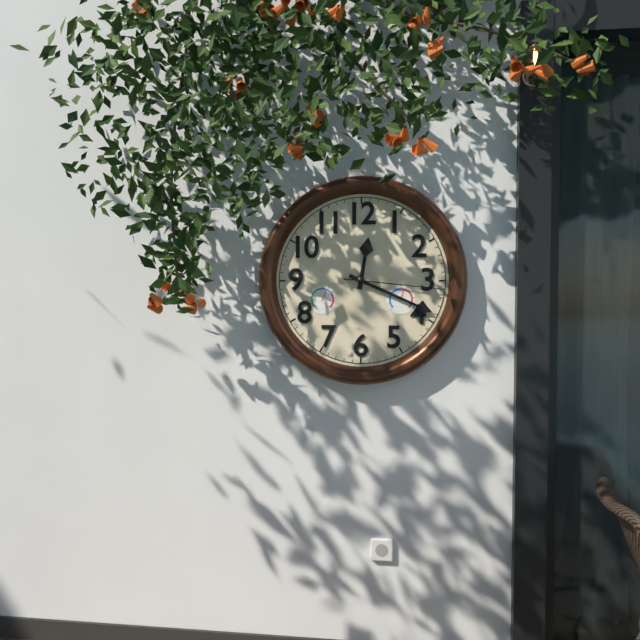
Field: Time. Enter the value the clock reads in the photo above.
12:19:16
